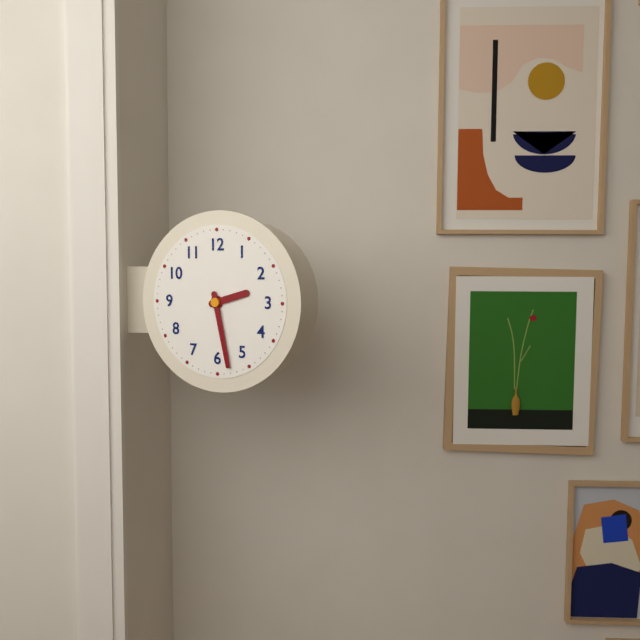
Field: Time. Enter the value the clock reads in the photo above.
2:28
